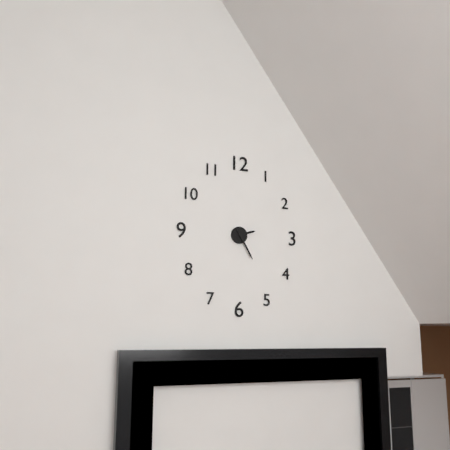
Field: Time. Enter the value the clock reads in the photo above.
2:25
